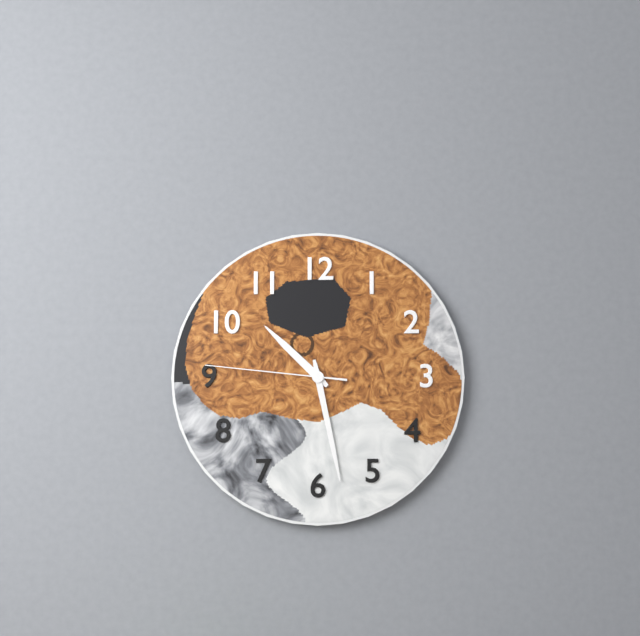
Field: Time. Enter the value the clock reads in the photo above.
10:28:46
